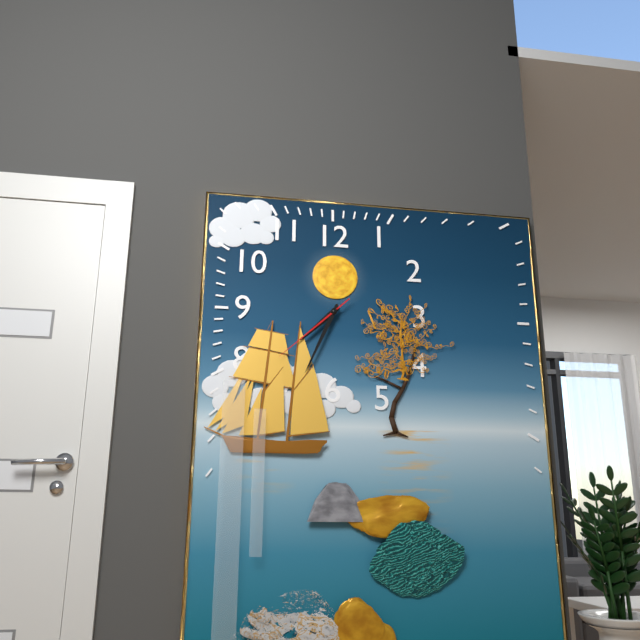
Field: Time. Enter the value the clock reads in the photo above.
7:34:38
